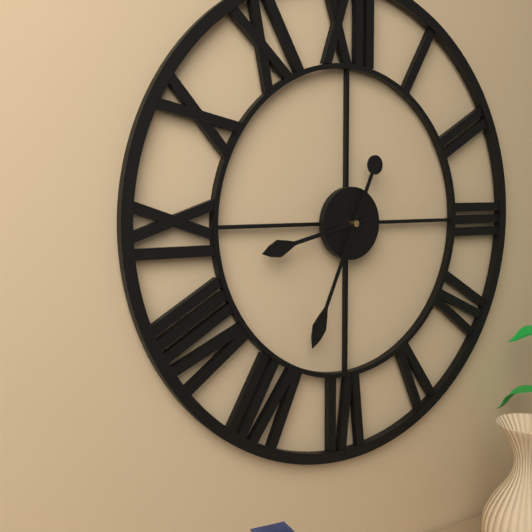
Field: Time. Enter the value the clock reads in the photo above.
8:34
